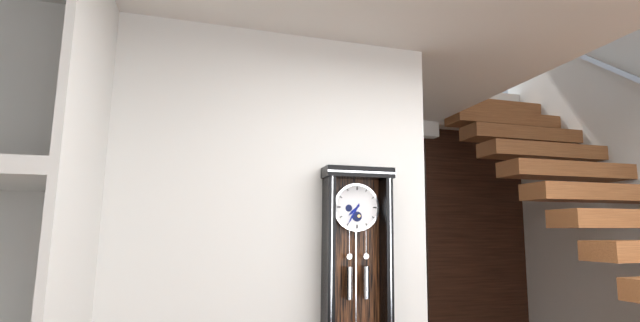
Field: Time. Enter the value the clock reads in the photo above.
7:35
